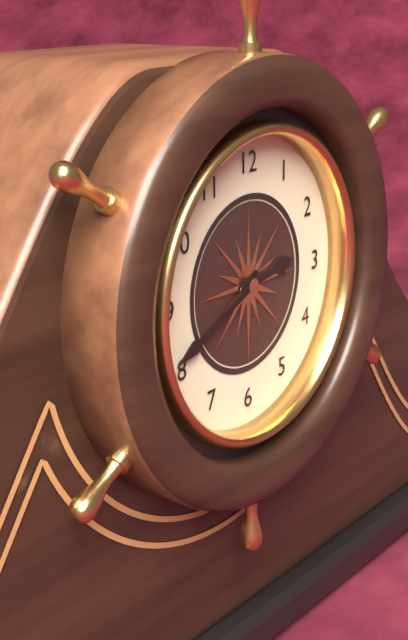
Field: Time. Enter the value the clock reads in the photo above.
2:41
